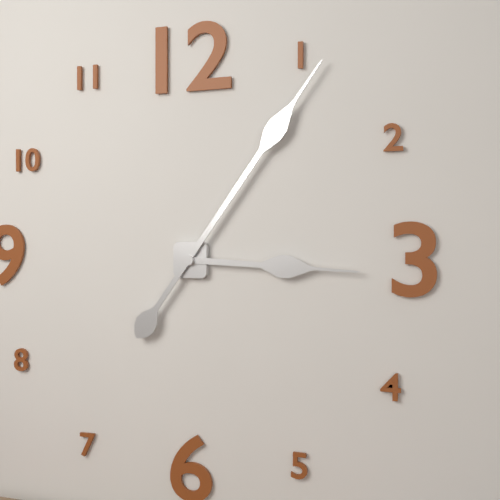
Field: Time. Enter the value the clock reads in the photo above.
3:06
